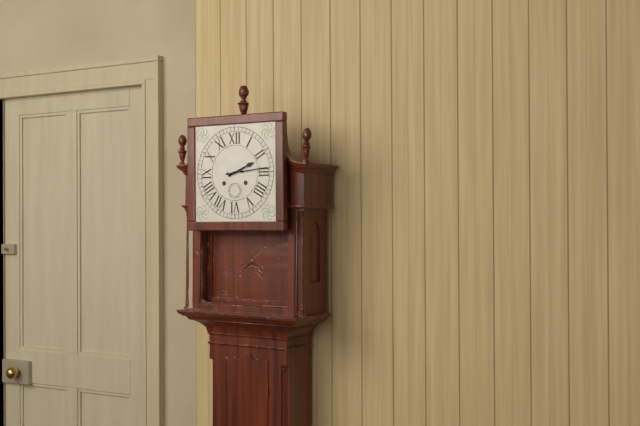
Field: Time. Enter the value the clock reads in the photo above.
2:14
